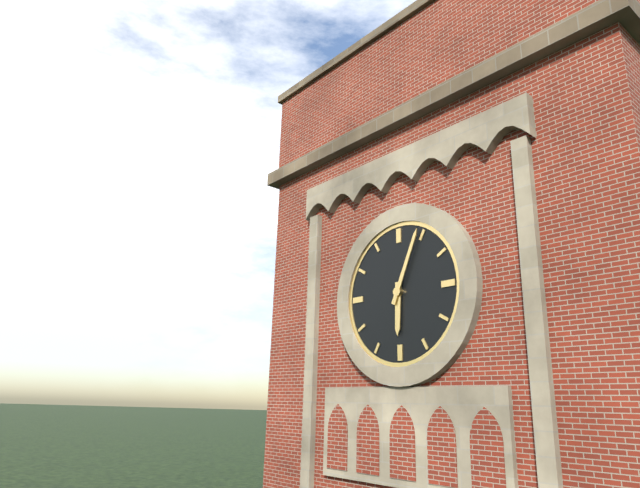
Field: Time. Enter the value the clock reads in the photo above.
6:04
